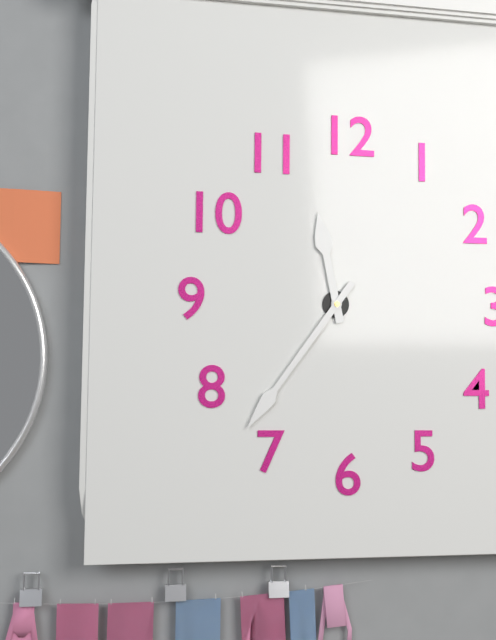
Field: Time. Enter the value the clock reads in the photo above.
11:36
